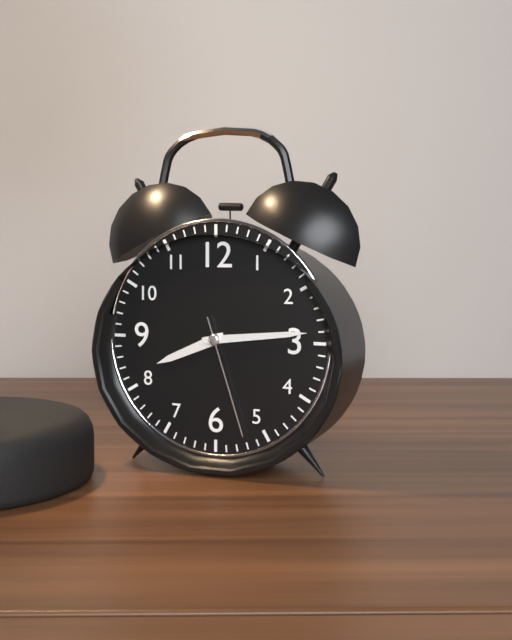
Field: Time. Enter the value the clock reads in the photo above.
8:14:27
